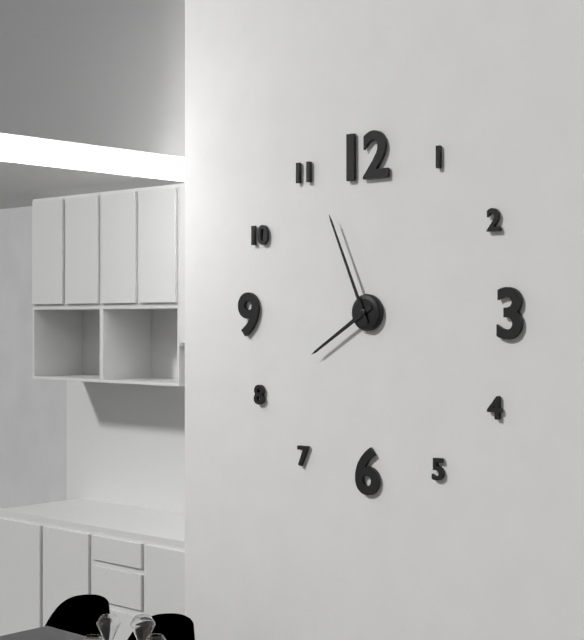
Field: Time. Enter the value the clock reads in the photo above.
7:56
